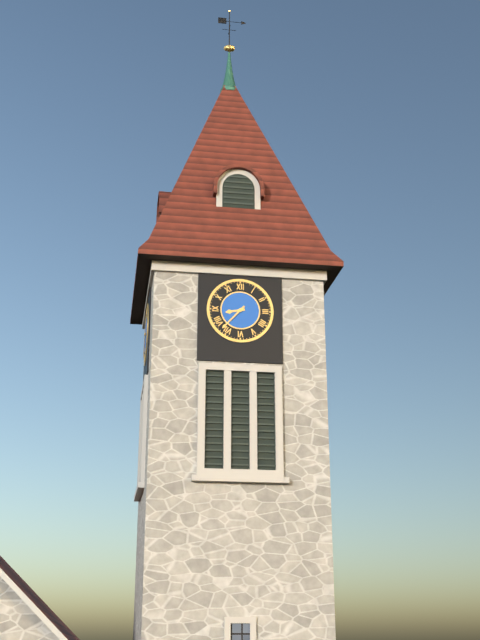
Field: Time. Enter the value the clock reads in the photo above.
8:37
